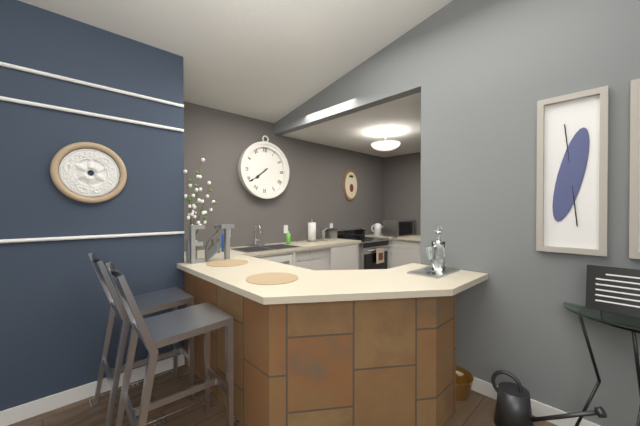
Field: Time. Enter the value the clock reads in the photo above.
7:39
